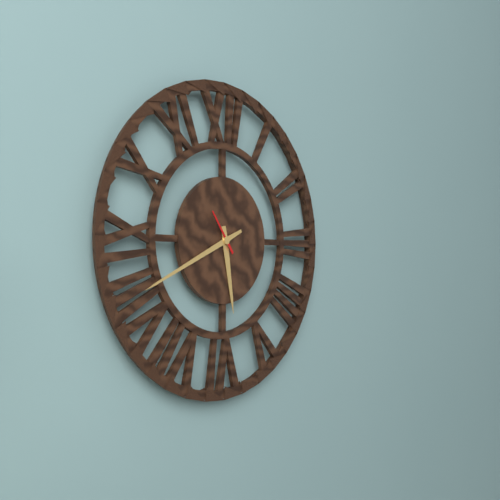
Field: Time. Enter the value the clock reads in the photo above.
5:41
